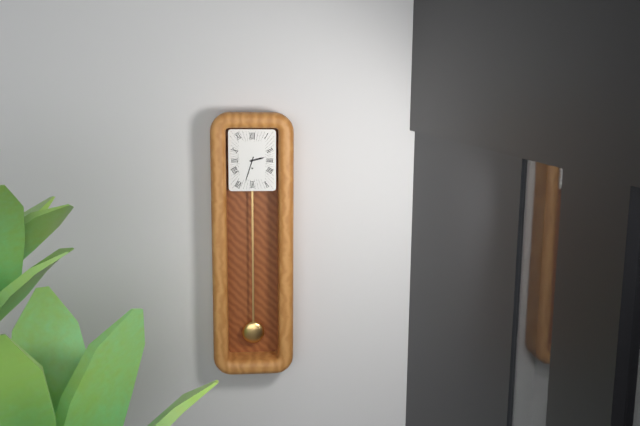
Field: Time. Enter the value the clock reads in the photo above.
2:33
